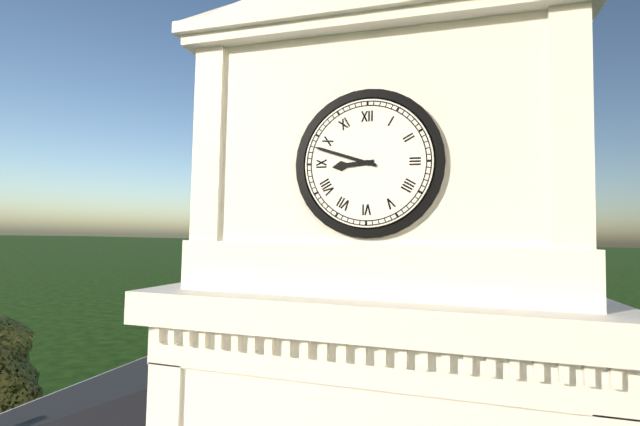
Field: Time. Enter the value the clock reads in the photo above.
8:48
